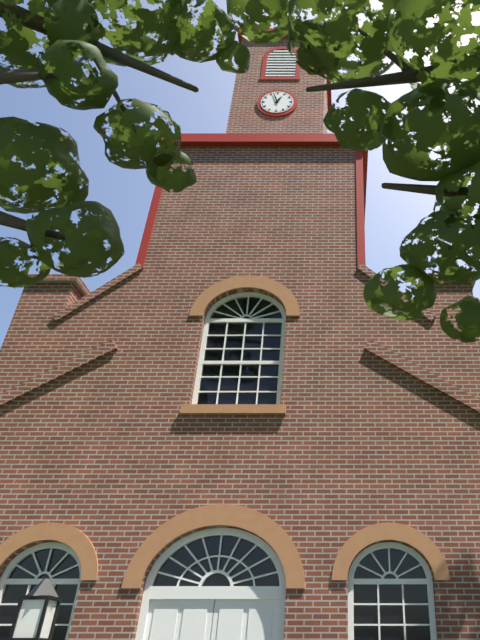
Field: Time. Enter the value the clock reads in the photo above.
12:57
